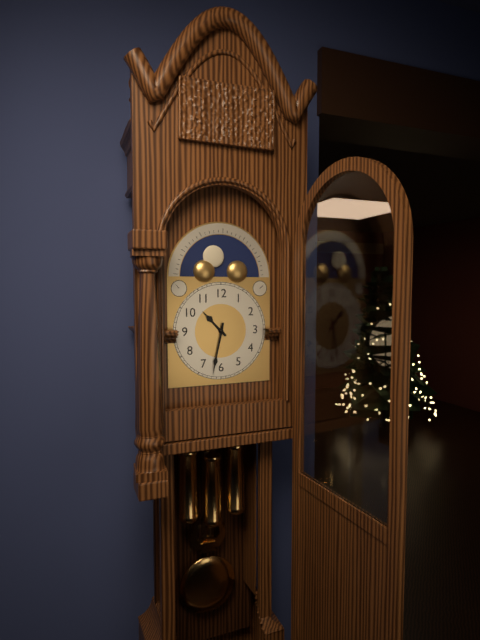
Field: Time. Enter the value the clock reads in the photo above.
10:32
